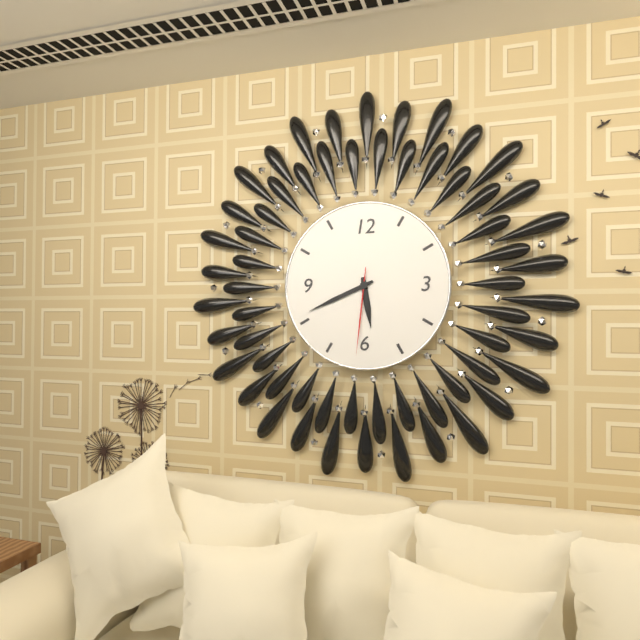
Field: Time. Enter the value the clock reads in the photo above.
5:41:31
